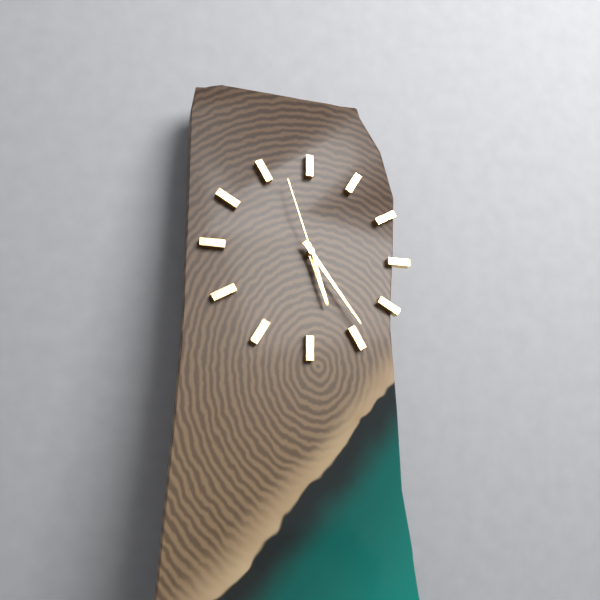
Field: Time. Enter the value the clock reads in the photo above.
5:24:57
